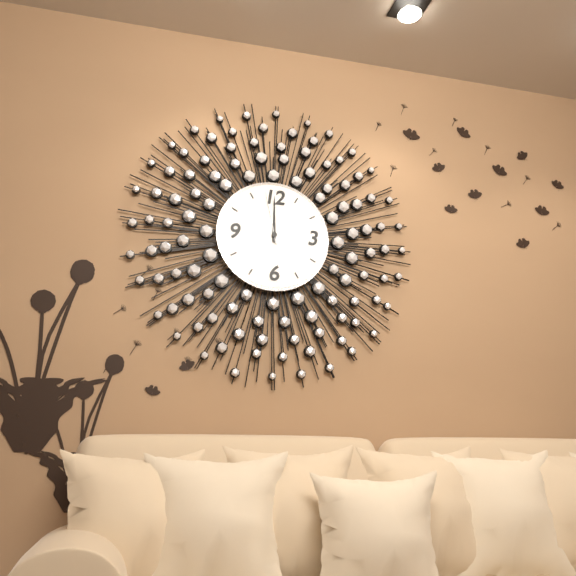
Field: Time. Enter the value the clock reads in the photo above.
12:00:58
